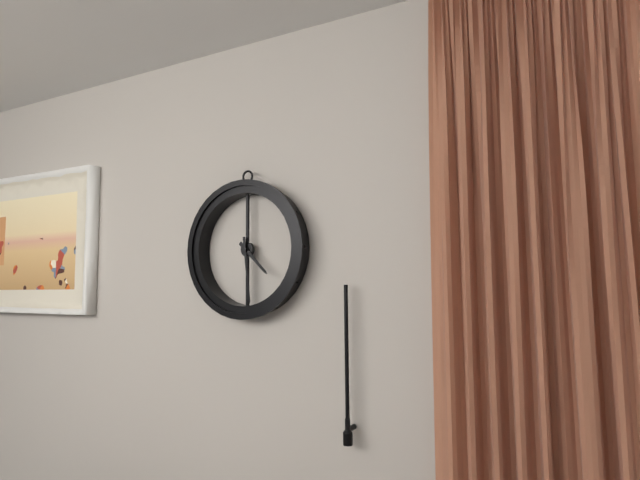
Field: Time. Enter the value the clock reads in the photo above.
4:29
